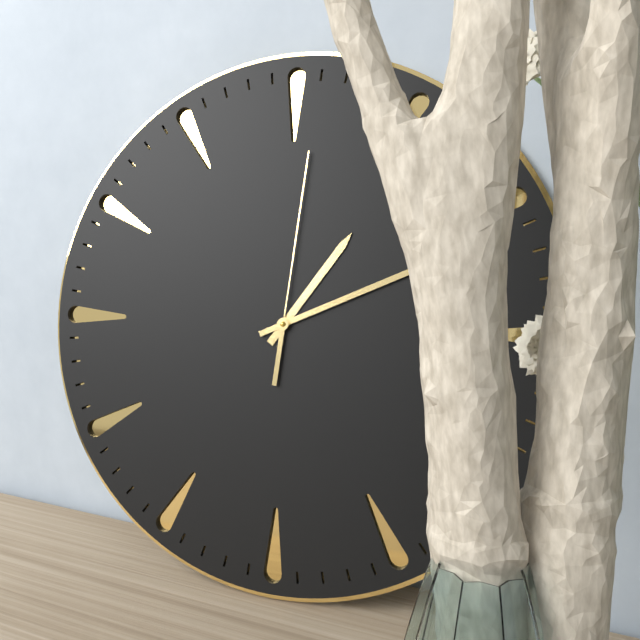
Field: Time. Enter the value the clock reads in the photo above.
1:11:01
